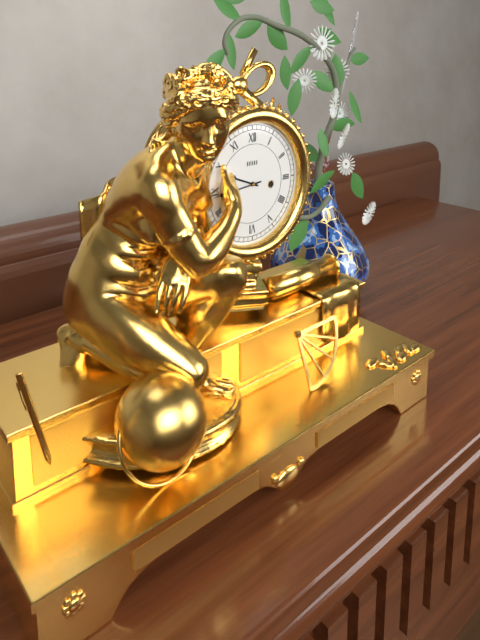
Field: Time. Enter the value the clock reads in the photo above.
9:44
